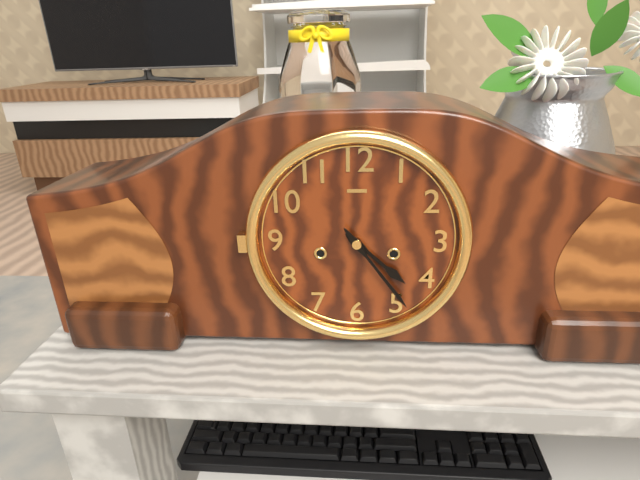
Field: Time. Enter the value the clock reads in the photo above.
4:24
